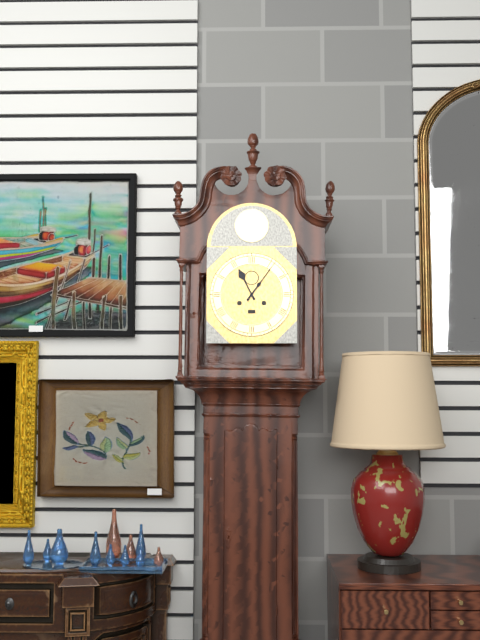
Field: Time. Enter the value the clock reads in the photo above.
11:06
